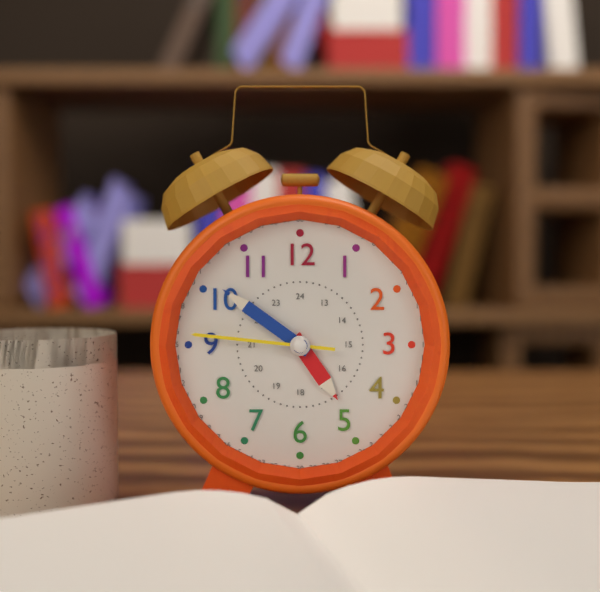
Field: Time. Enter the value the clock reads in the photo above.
4:51:46
